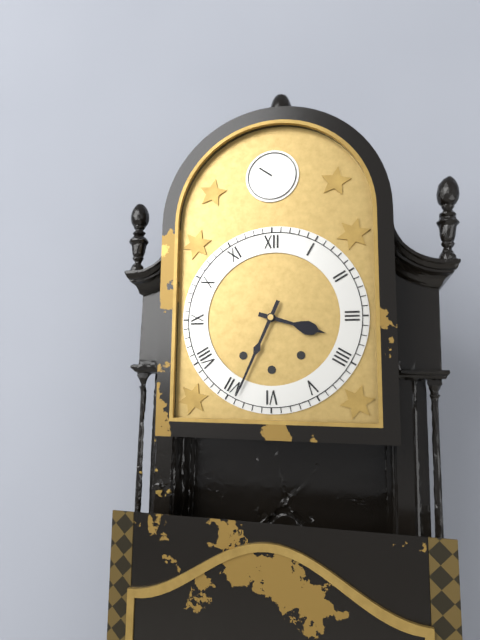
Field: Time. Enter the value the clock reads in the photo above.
3:34
